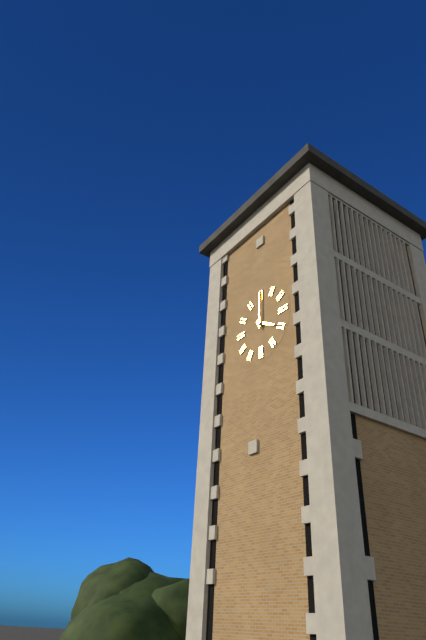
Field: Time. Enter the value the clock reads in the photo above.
4:00
